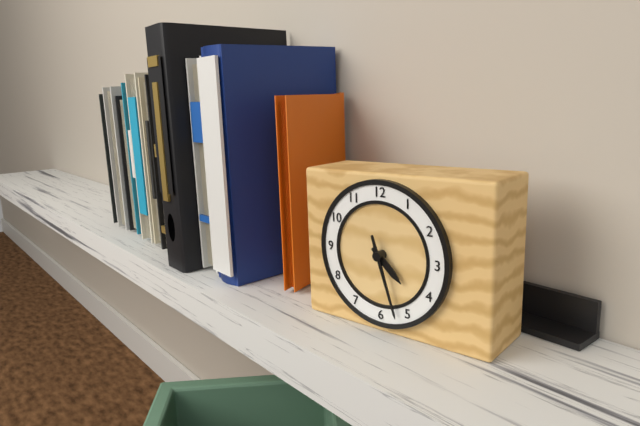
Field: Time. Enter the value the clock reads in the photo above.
4:27
